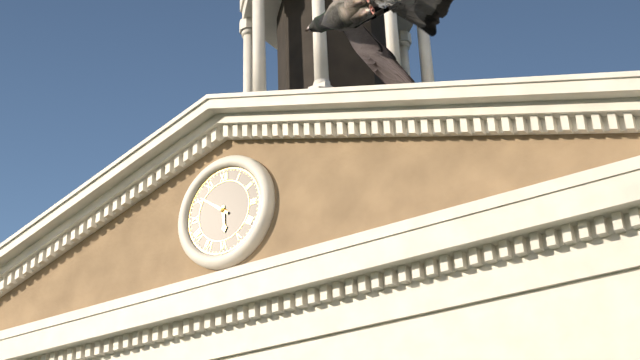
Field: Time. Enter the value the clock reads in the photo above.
5:51
